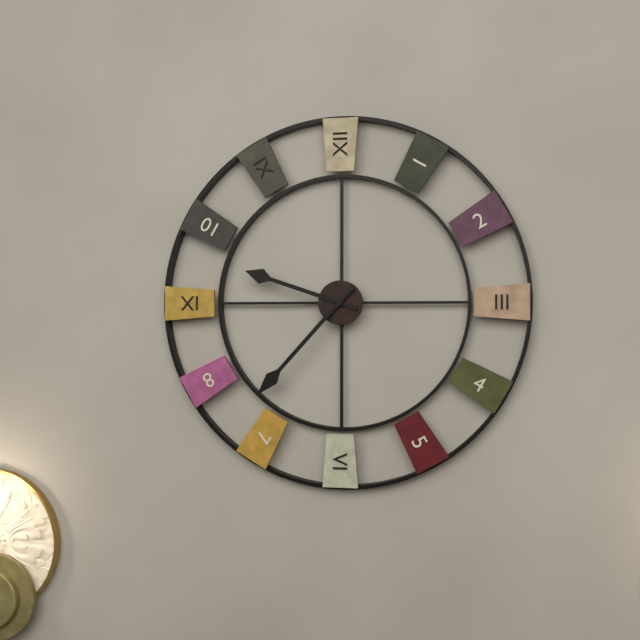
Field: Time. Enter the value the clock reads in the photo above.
9:37
